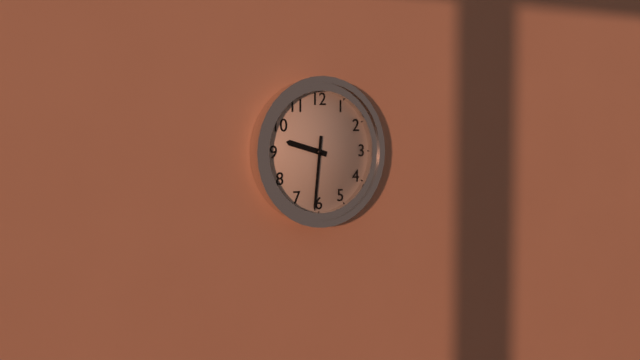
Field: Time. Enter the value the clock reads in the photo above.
9:31
